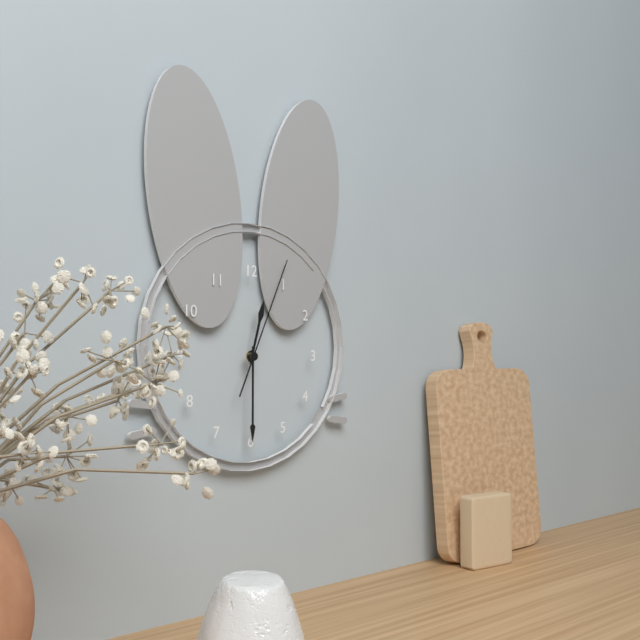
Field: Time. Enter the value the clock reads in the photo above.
12:30:04
